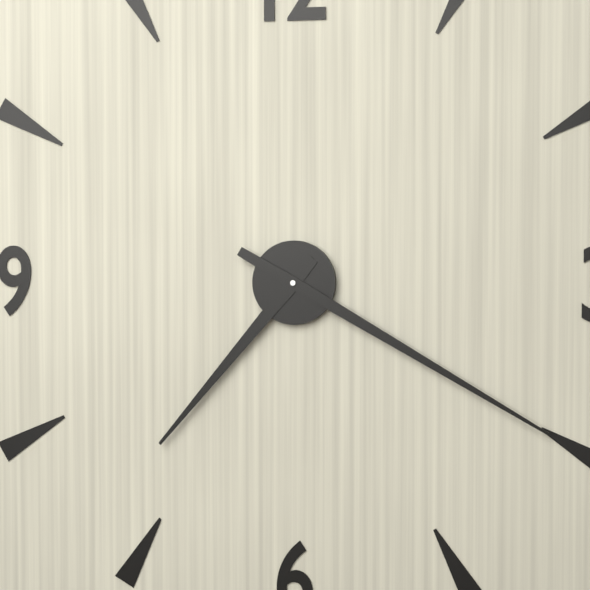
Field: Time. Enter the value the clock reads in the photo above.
7:20
